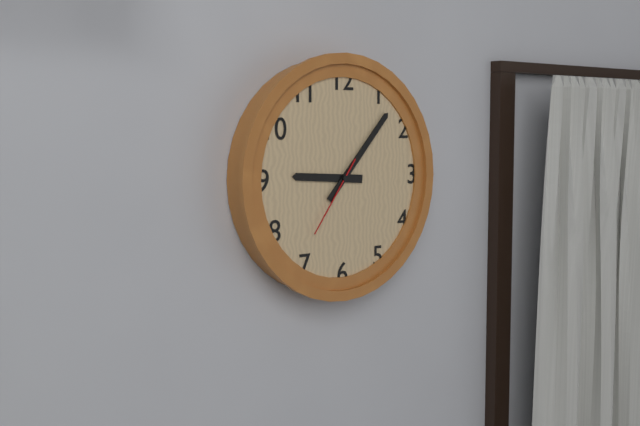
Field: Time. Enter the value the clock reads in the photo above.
9:07:36
